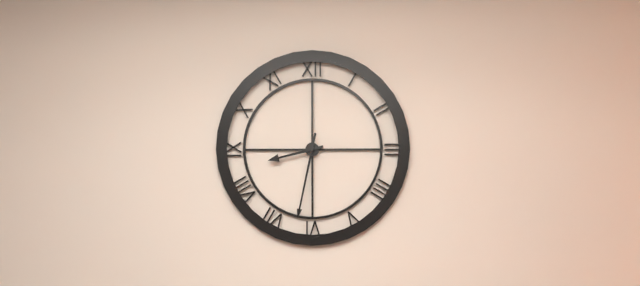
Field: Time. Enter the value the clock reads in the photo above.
8:32
